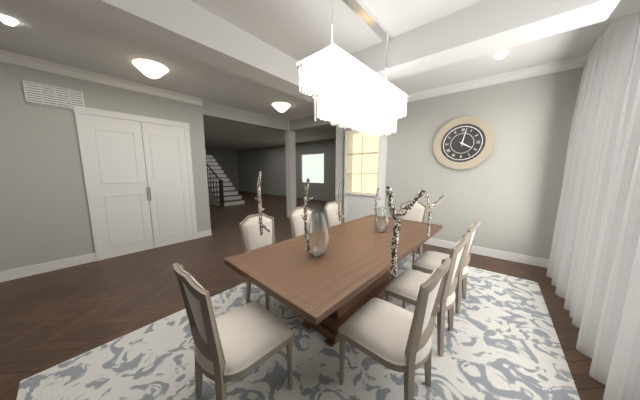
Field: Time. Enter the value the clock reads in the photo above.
4:02
